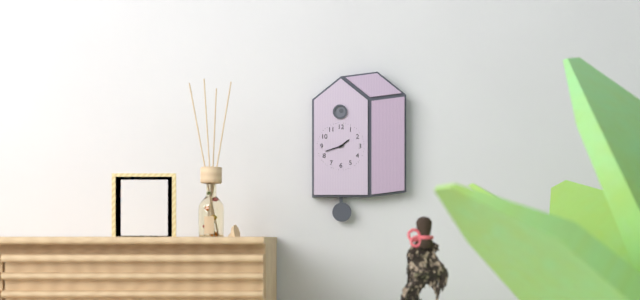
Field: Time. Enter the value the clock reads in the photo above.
1:42
